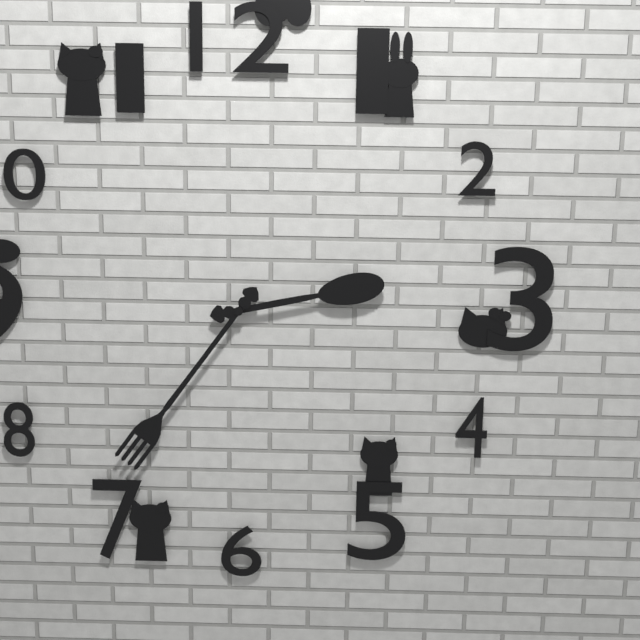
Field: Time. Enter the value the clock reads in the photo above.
2:36
